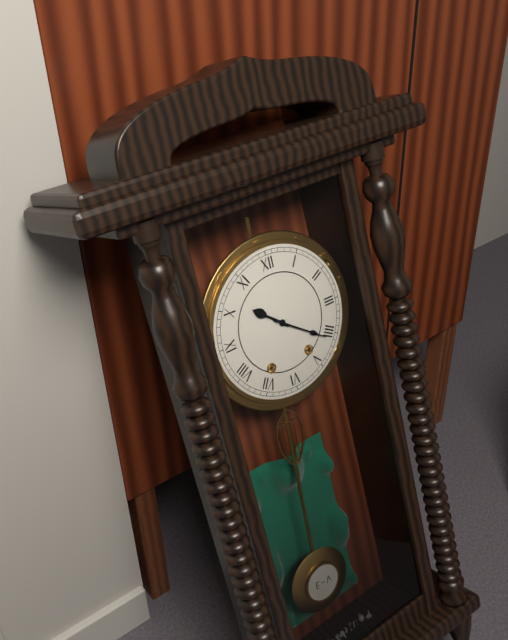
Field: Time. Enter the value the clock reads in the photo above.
10:21
